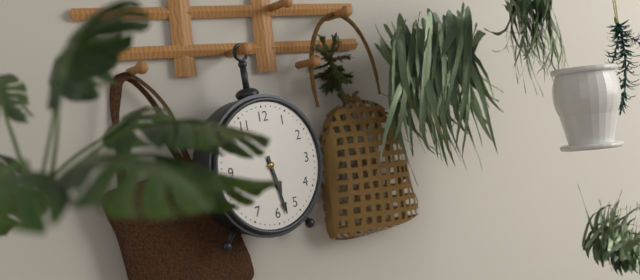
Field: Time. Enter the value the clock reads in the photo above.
5:28
